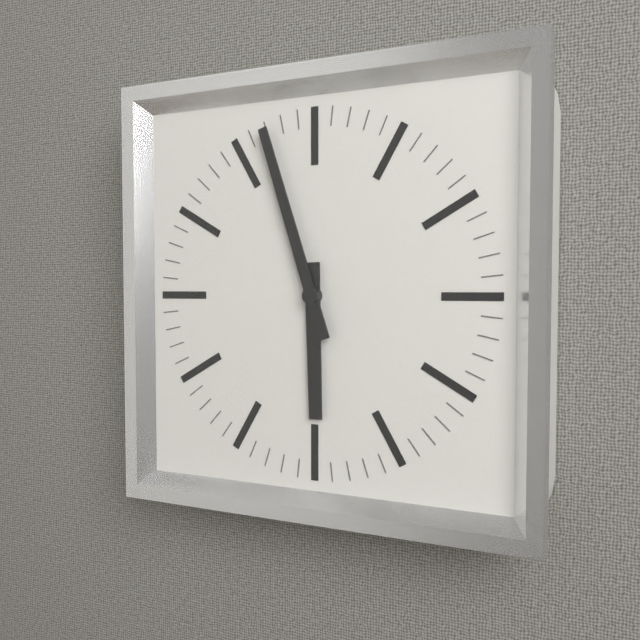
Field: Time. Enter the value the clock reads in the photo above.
5:57
